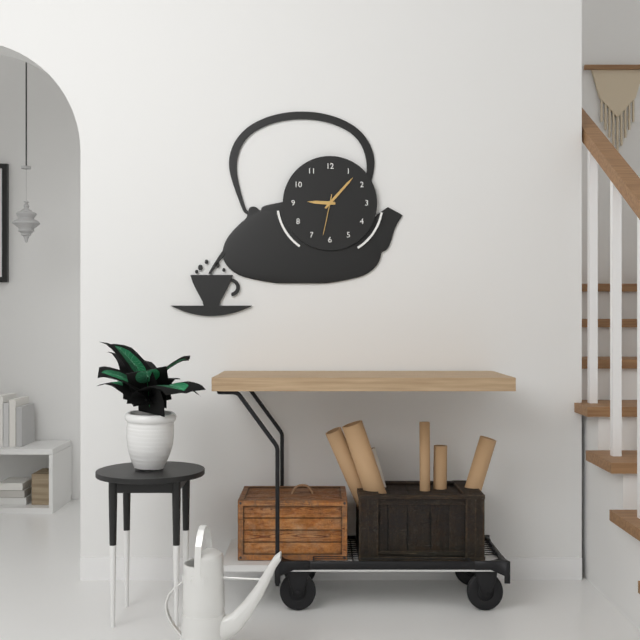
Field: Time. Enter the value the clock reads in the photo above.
9:07
